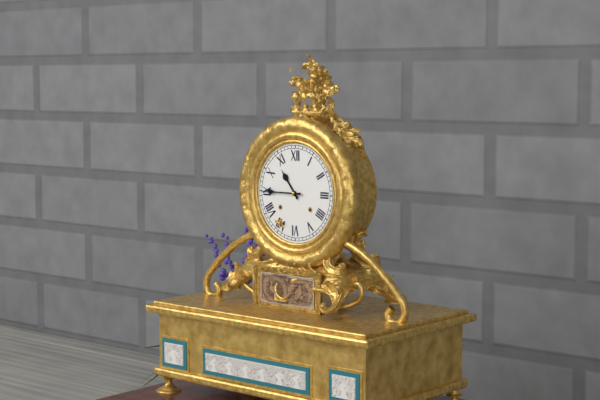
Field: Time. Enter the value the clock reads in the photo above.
10:45
